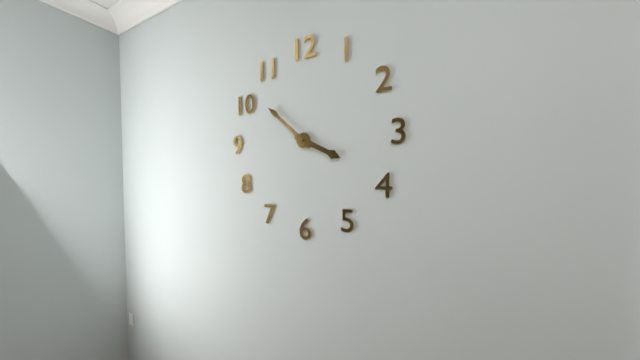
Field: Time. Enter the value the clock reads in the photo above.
3:52
